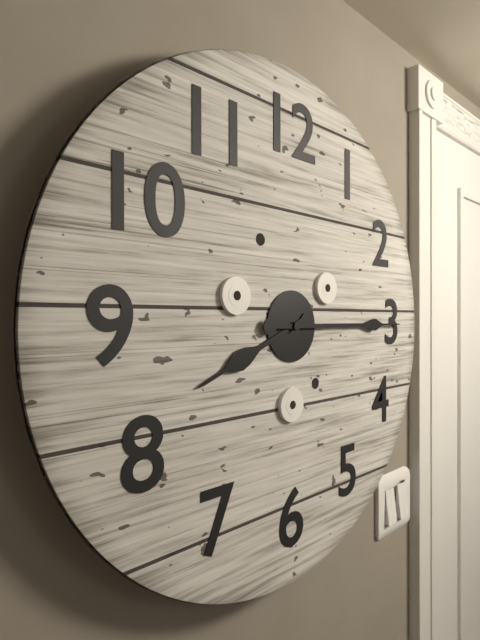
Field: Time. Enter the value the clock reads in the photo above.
8:15
